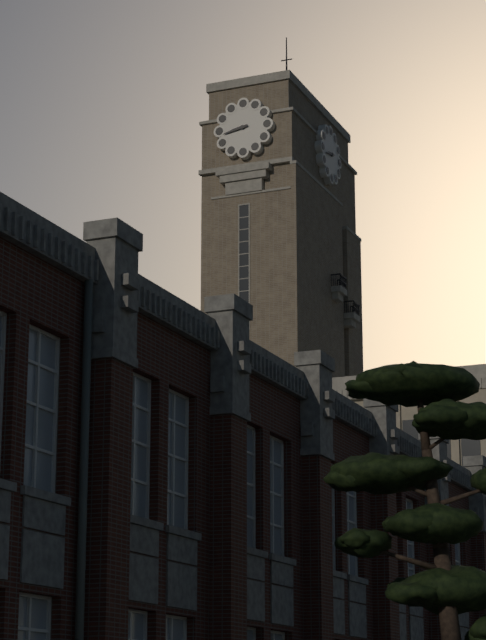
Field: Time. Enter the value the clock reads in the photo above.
8:43
